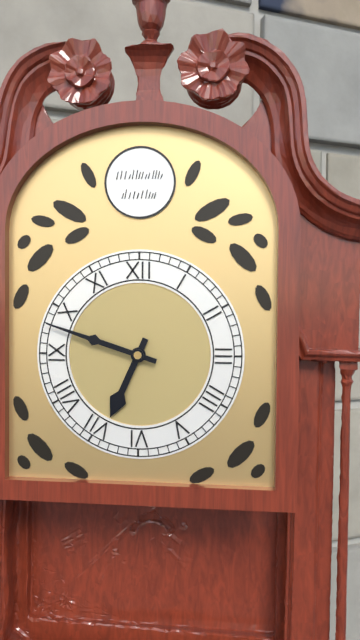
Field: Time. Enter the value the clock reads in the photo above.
6:48
